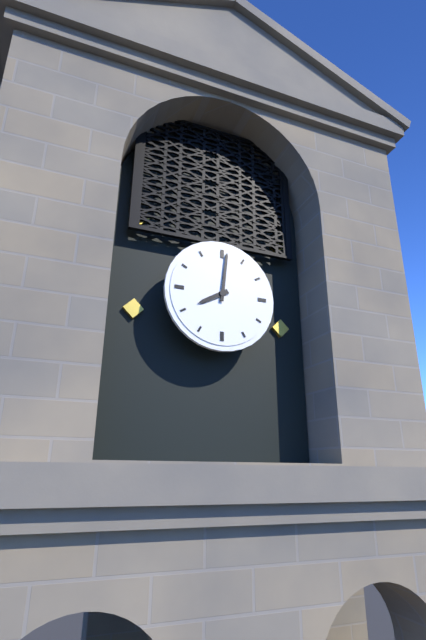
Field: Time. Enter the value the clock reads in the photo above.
8:01
